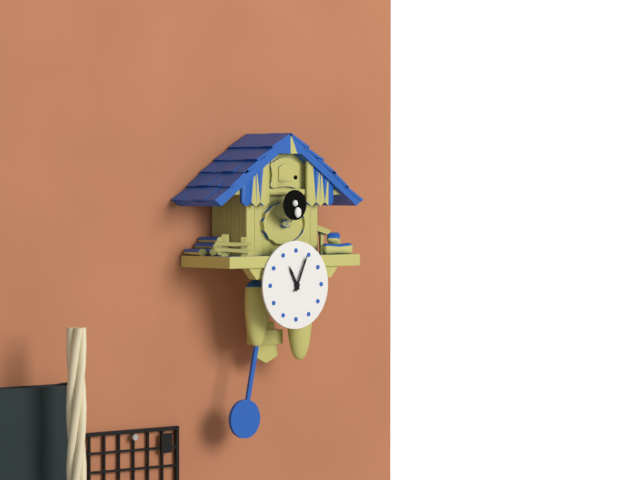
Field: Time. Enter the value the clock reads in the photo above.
11:04
